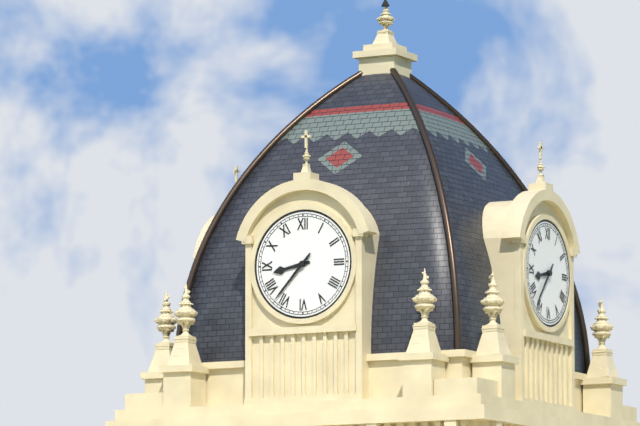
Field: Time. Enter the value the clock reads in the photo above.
8:37
